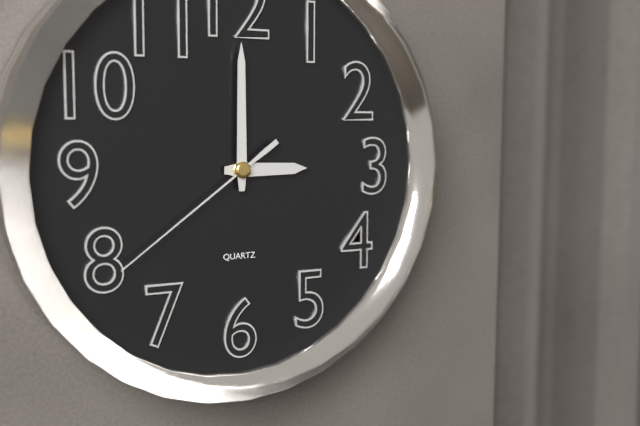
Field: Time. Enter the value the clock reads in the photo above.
3:00:39
